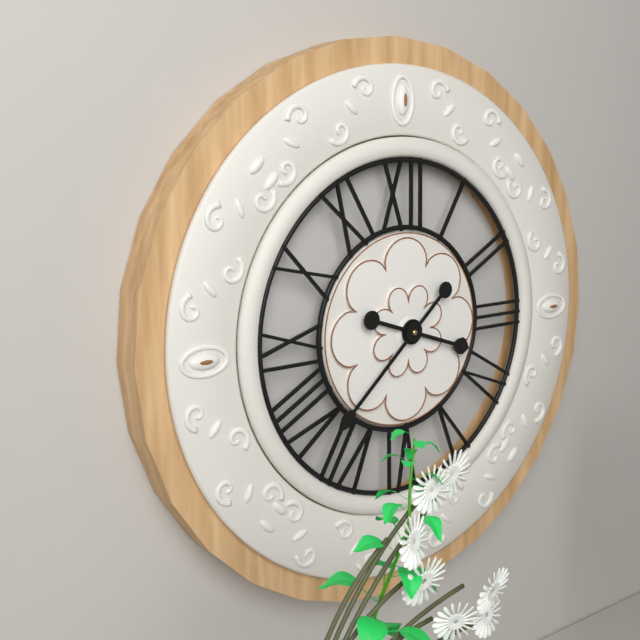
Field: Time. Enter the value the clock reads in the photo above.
3:38
